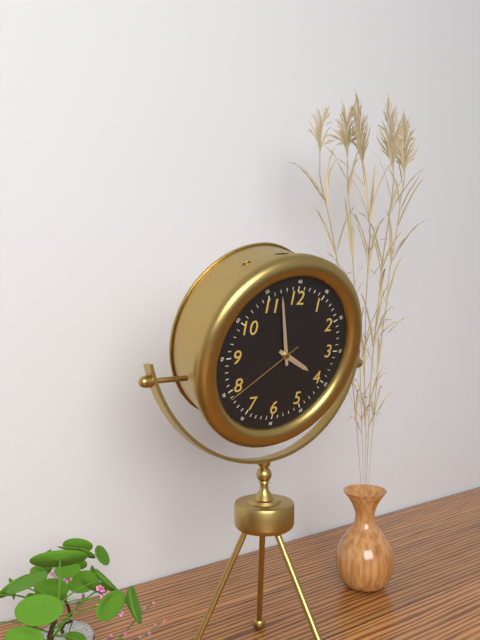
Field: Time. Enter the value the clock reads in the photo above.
3:57:39
